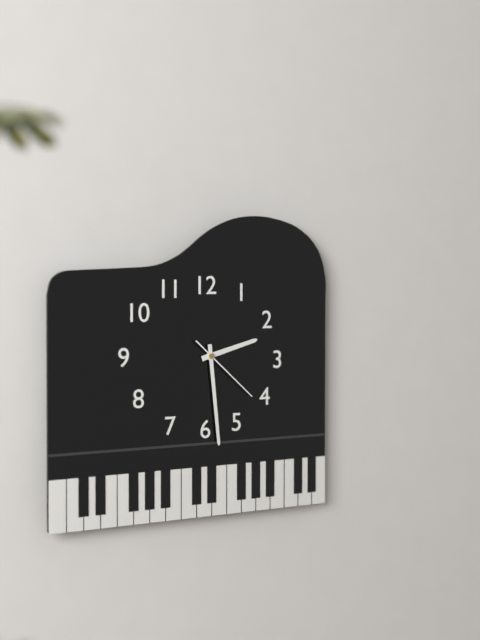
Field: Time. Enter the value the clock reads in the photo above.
2:29:22
